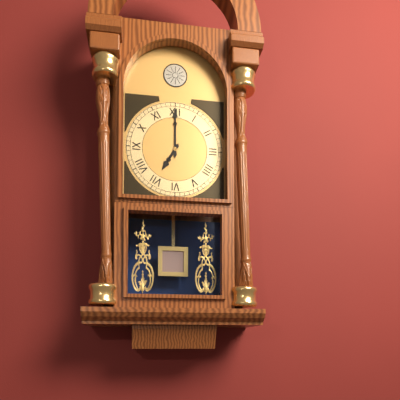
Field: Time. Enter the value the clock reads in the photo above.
7:00
